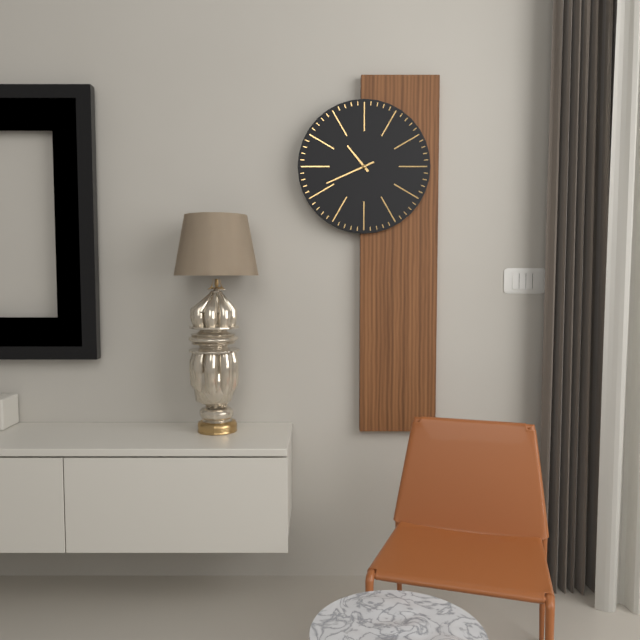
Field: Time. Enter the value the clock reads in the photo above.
10:41
